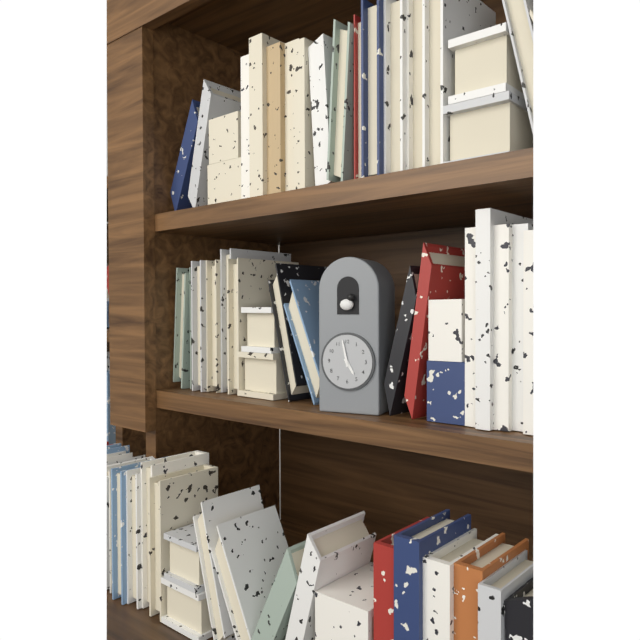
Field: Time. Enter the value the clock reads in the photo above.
4:58
